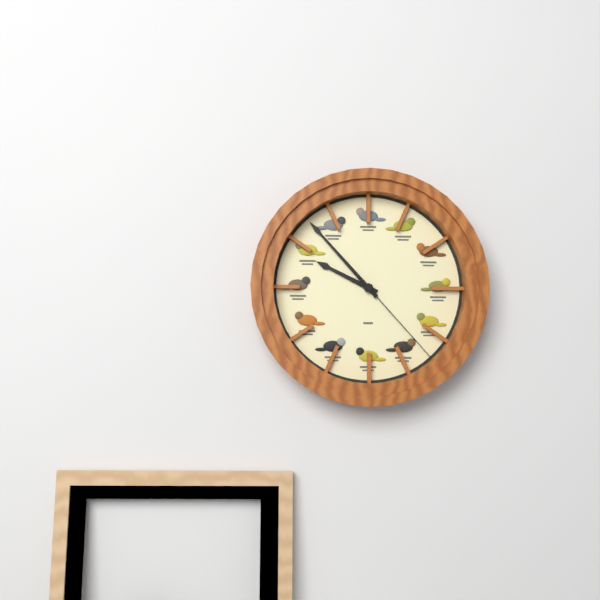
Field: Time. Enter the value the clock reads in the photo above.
9:53:23
